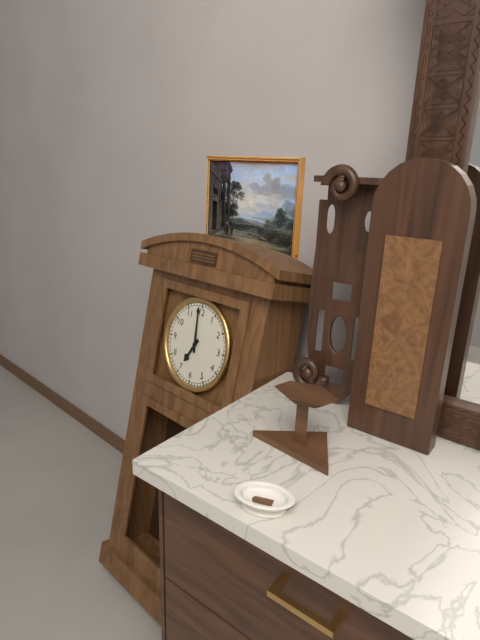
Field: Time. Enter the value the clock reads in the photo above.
6:59
